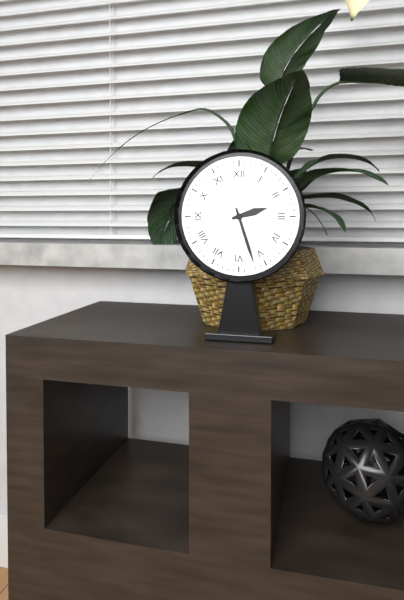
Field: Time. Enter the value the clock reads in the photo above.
2:27
